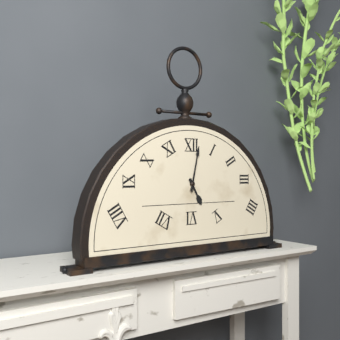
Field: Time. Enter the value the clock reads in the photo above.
5:02
